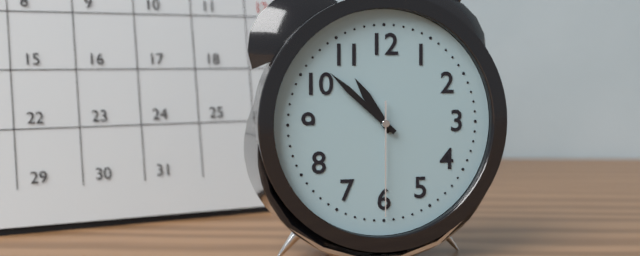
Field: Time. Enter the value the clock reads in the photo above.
10:52:30
